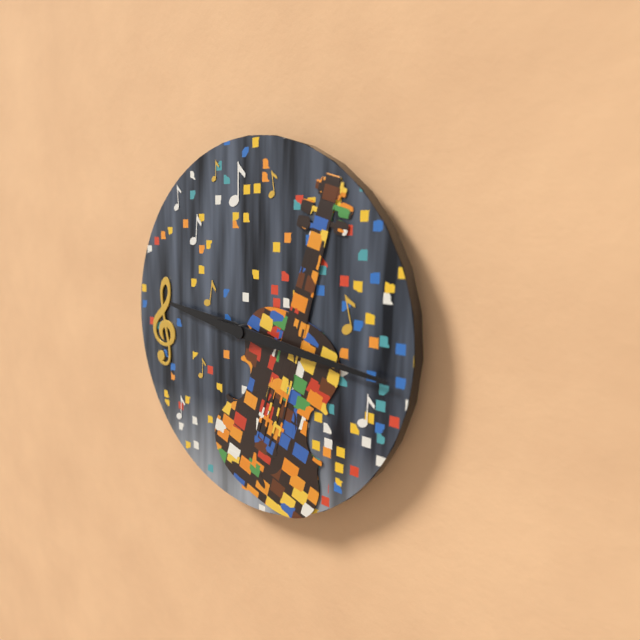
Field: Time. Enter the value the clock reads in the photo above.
9:16
